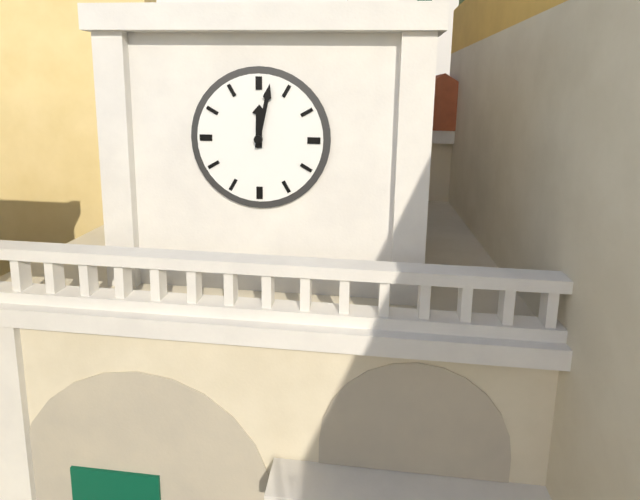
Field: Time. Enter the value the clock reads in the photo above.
12:02
